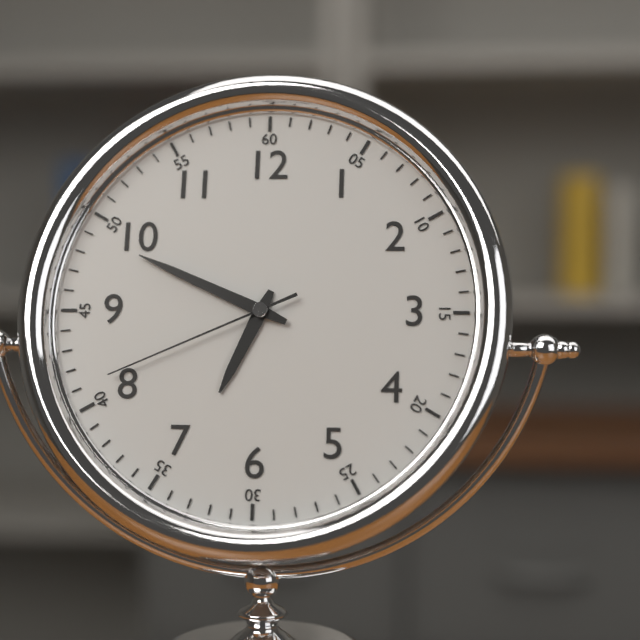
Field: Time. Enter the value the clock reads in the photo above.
6:49:41
